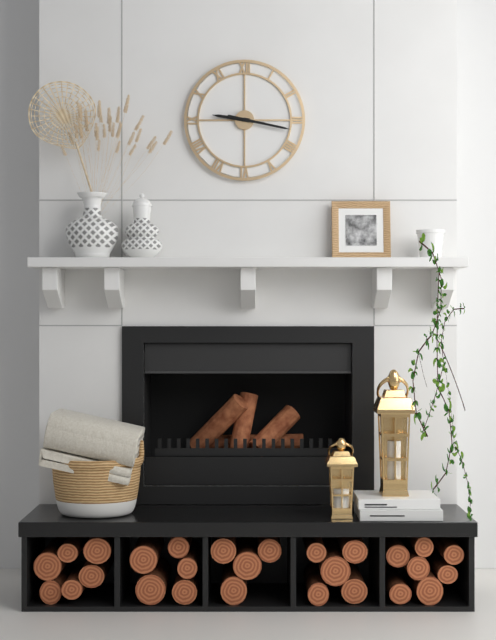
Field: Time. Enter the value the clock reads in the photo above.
9:17
